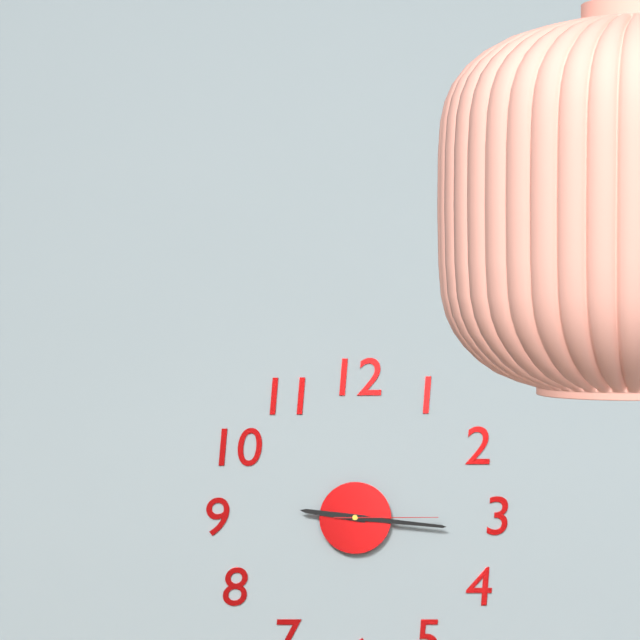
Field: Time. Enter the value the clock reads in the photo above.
9:16:15
